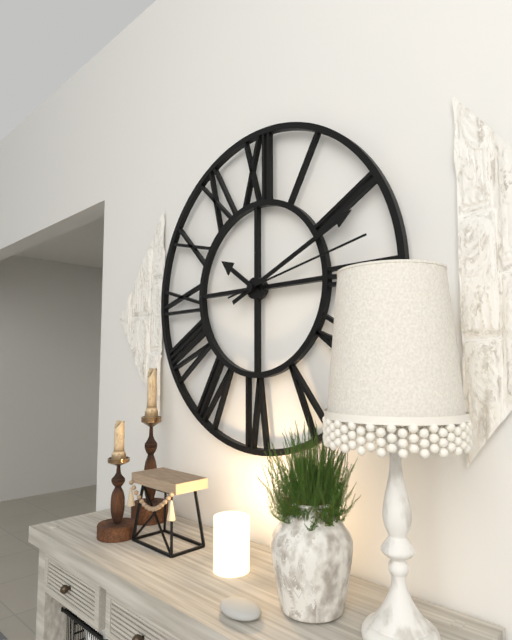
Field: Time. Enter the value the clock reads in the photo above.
10:11:13
